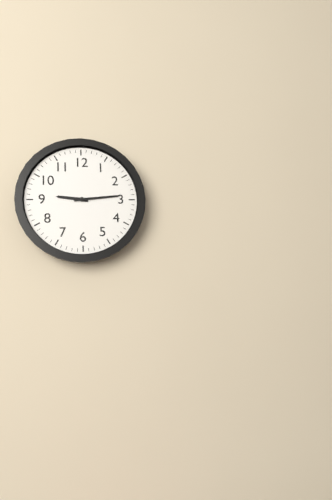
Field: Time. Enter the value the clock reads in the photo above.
9:14
